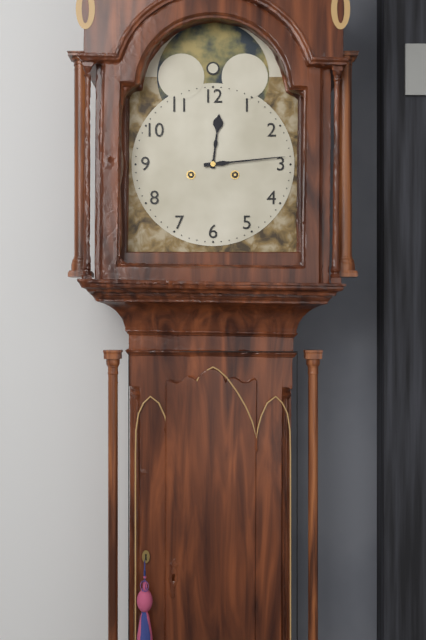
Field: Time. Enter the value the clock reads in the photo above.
12:14
